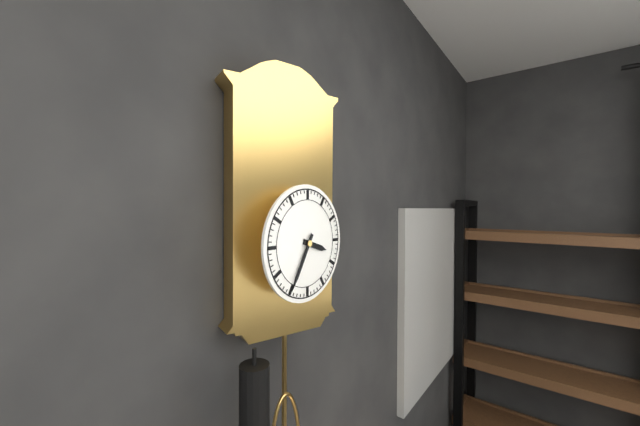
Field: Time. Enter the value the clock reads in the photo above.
3:35
